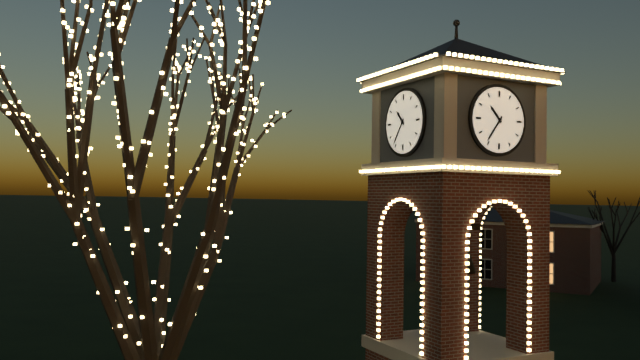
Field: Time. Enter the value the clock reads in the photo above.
10:36
